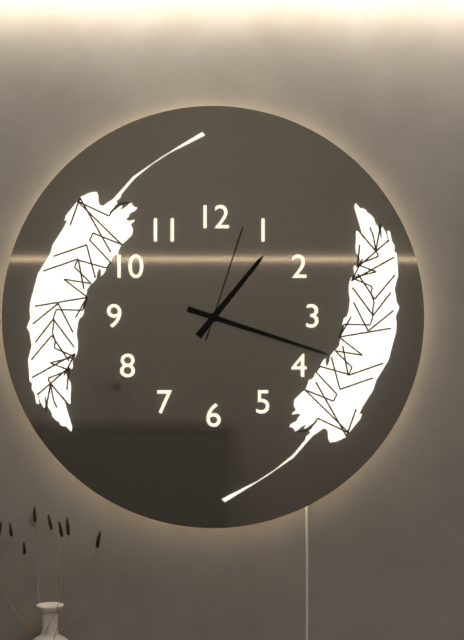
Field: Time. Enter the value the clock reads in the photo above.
1:18:03
